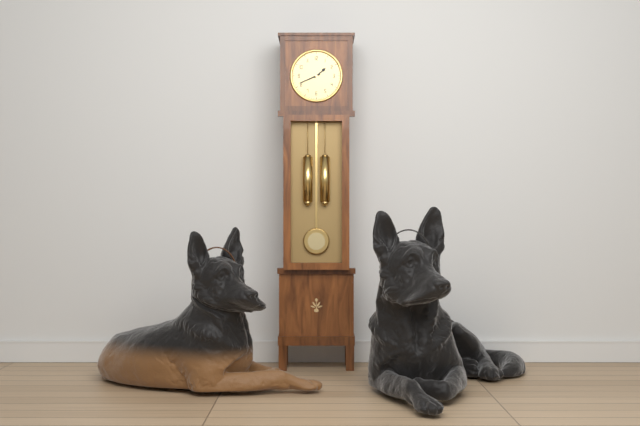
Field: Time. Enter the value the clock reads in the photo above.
1:41
